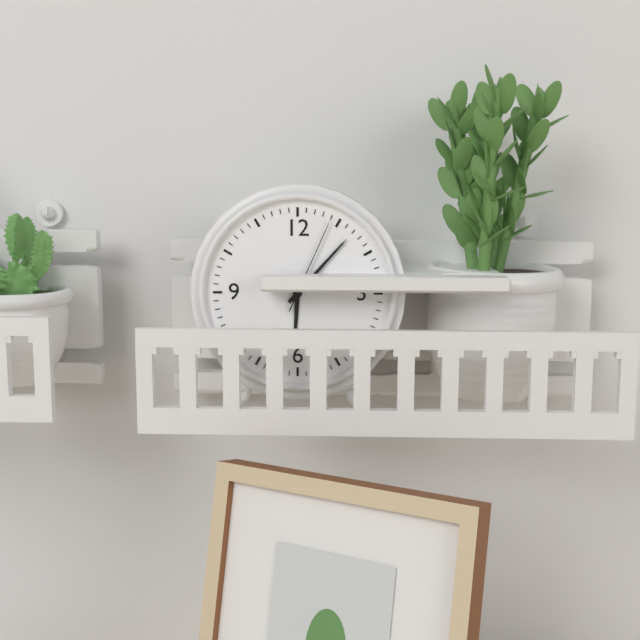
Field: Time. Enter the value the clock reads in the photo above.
6:07:04
